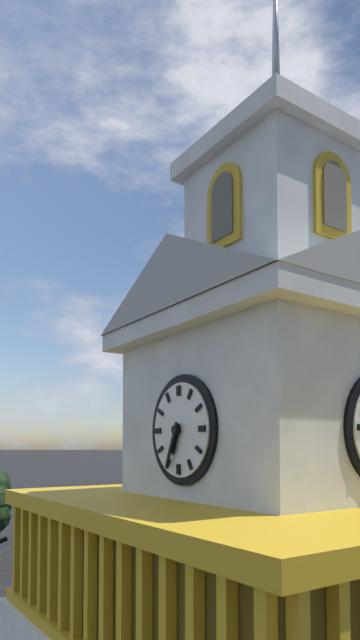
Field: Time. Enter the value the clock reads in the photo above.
6:34
